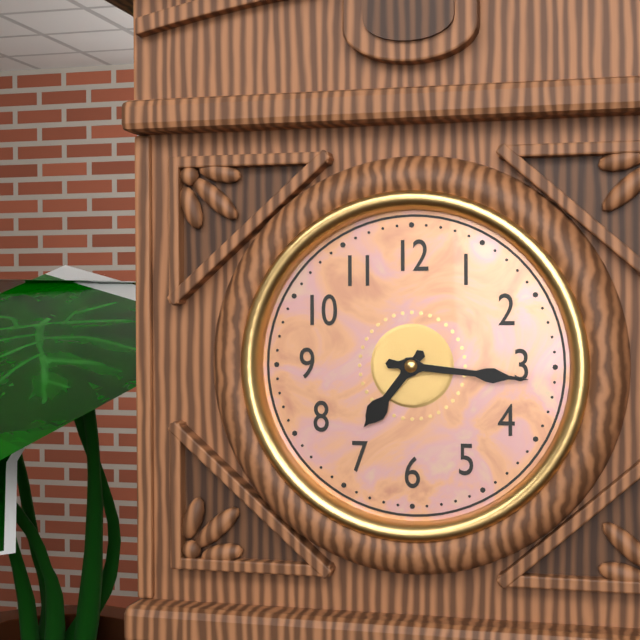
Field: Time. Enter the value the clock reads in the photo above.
7:16
